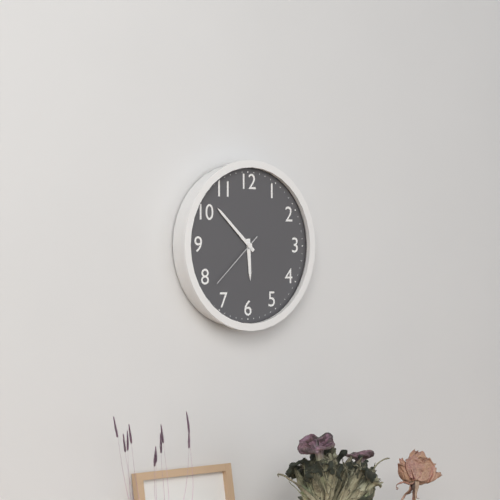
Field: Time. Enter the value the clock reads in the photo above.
5:52:38
